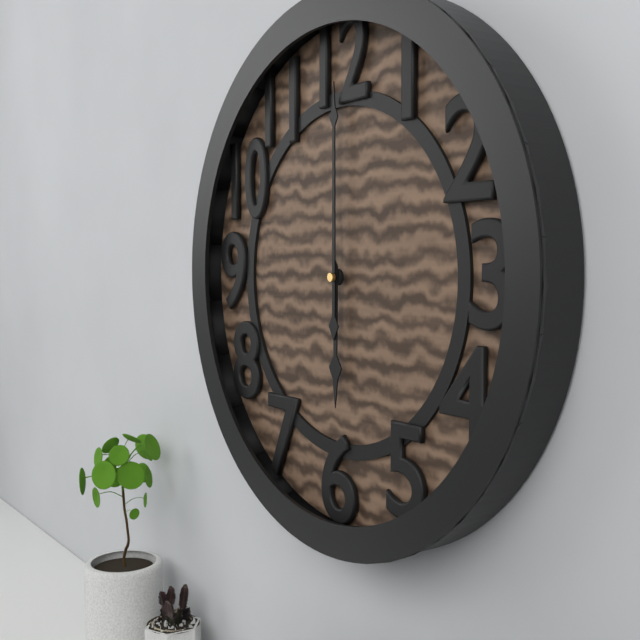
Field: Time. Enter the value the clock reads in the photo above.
6:00
